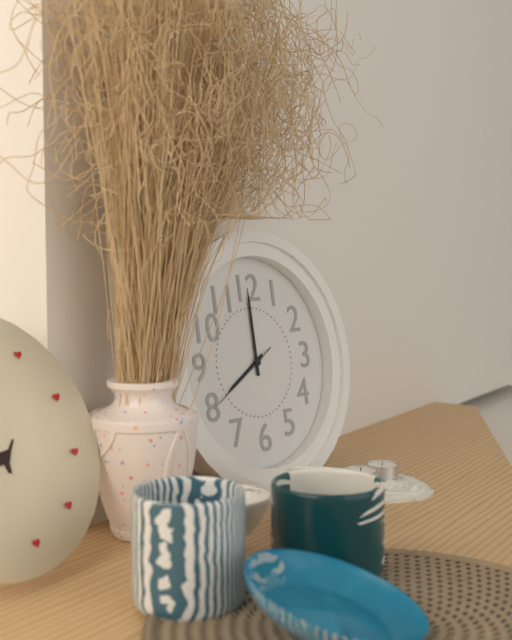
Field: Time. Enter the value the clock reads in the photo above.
8:00:40
